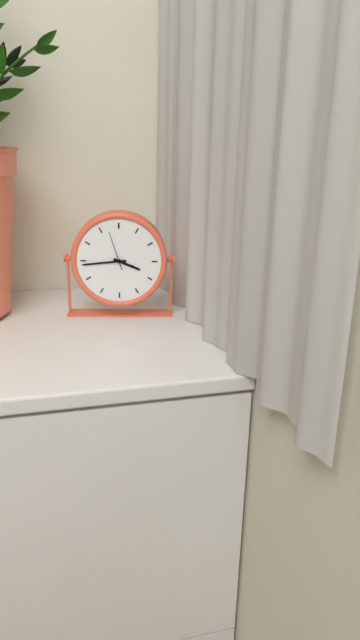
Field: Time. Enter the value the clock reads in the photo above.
3:44
